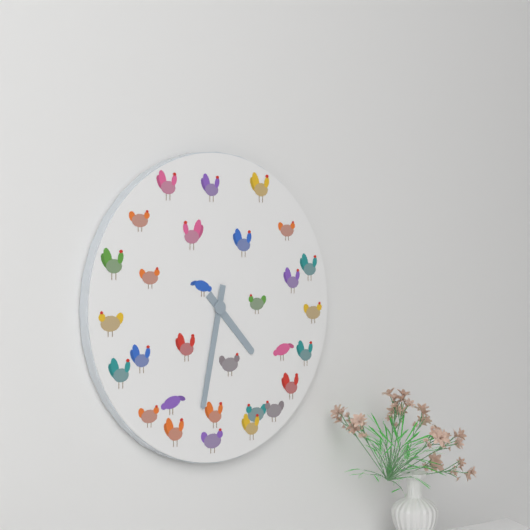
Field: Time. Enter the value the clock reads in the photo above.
4:32
